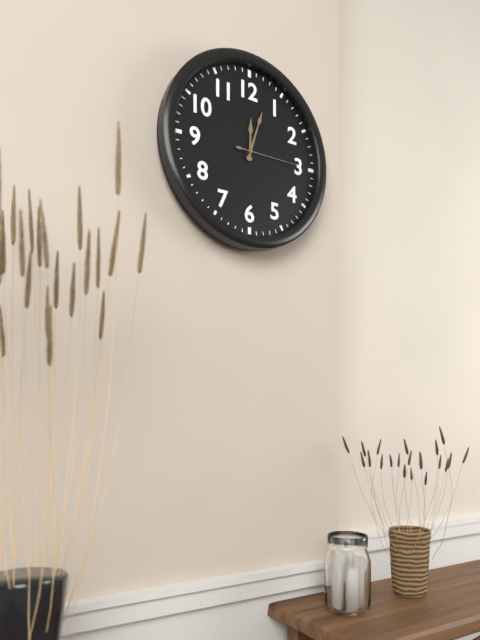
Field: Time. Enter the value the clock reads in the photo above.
12:03:15
